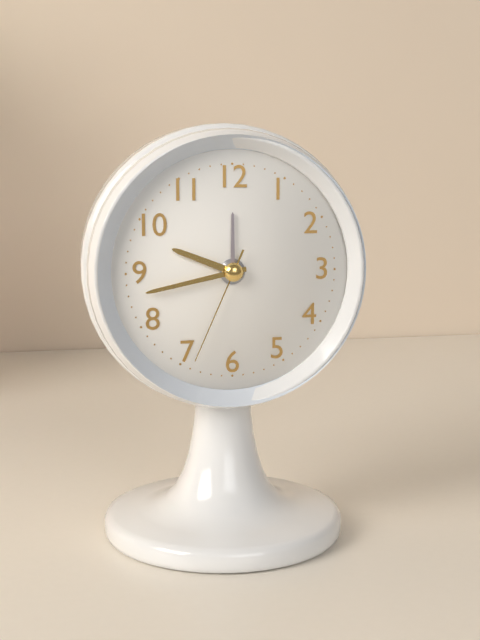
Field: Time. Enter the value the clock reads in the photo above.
9:43:34
